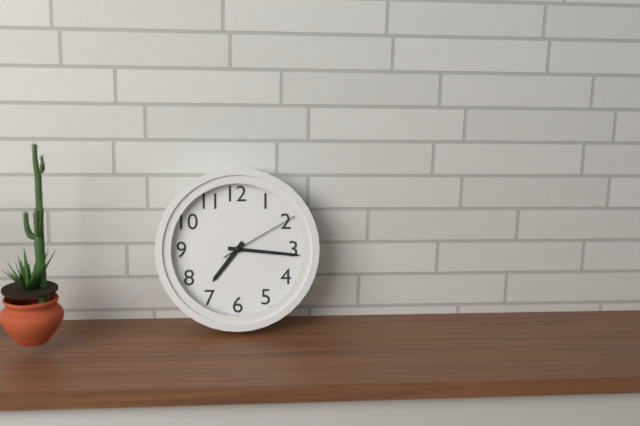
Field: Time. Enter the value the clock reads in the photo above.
7:16:10
